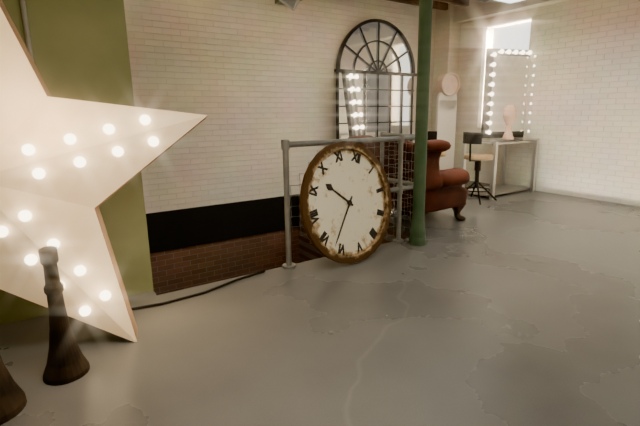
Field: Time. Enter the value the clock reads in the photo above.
9:32
